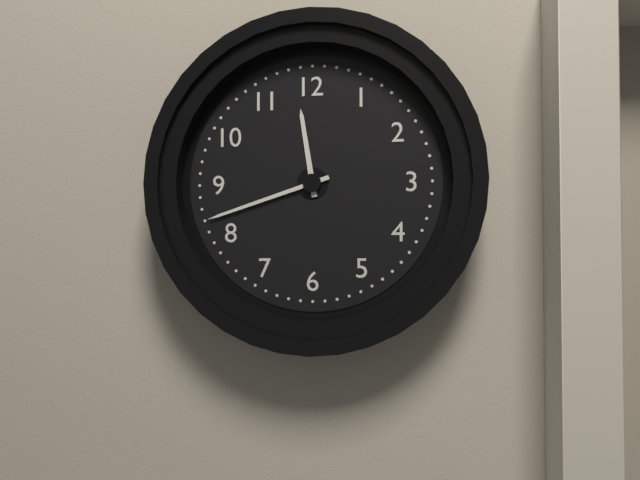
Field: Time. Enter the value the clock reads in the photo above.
11:42
